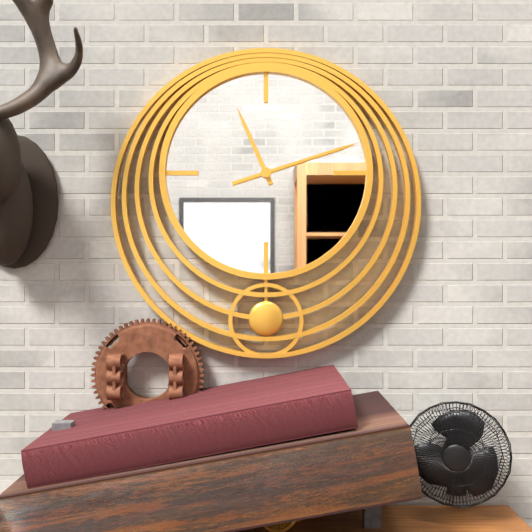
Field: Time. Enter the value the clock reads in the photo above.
11:12
